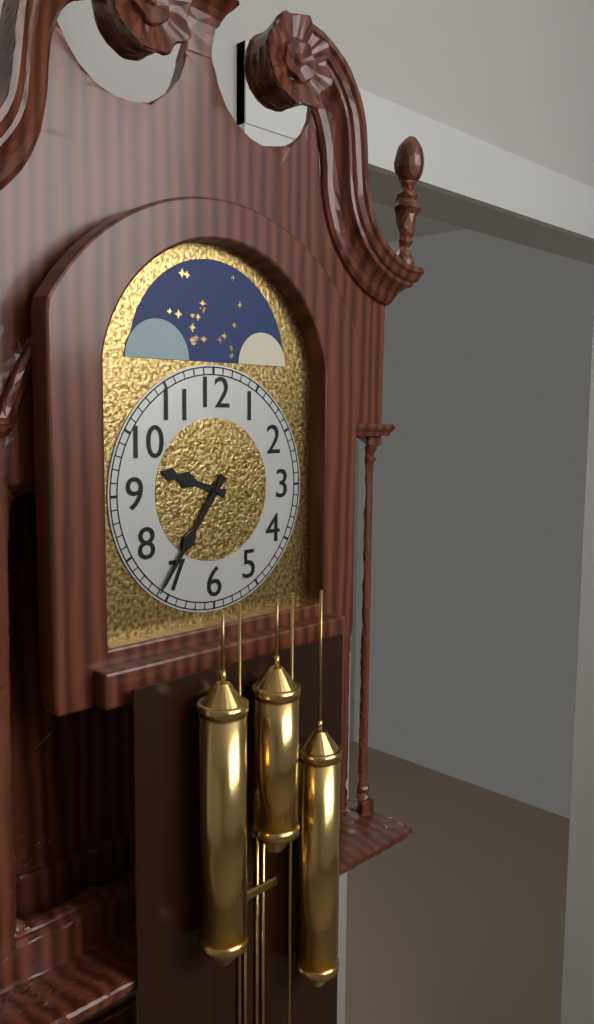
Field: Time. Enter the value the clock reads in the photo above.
9:36
